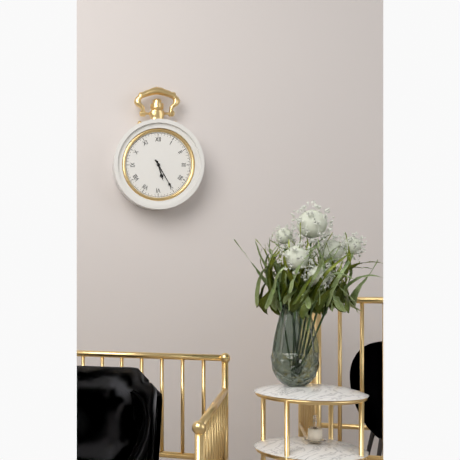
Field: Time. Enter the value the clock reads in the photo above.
5:25
